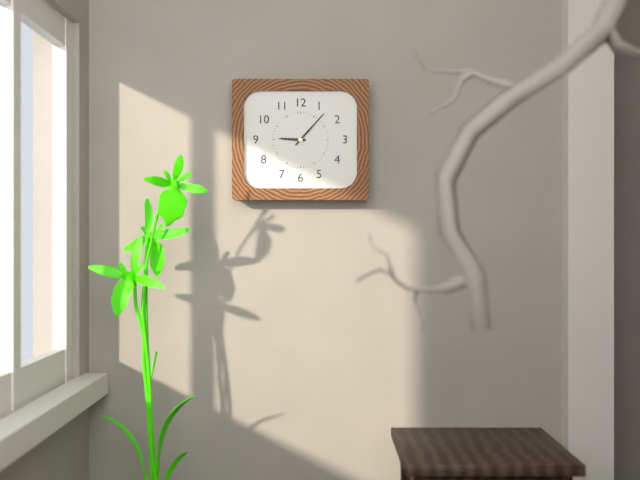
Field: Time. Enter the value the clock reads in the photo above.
9:07
